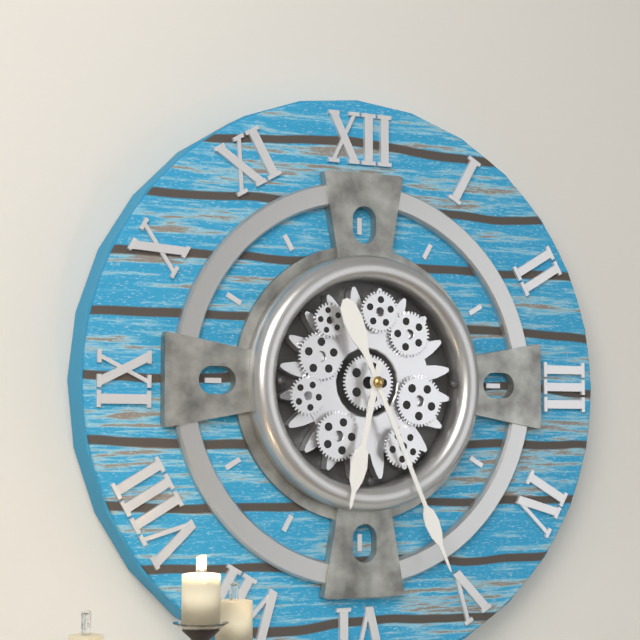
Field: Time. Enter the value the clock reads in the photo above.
6:26
